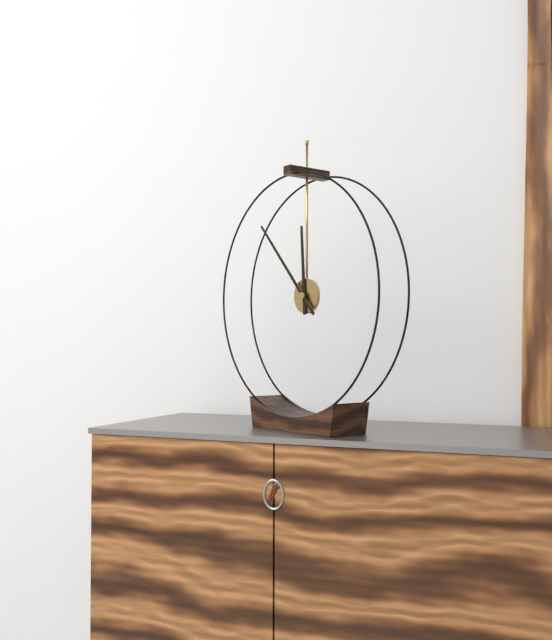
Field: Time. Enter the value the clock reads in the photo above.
11:53
